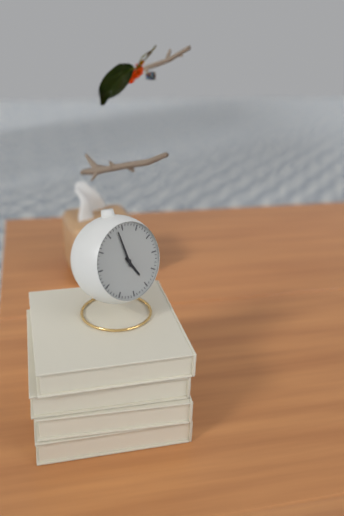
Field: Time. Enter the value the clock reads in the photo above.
4:58
